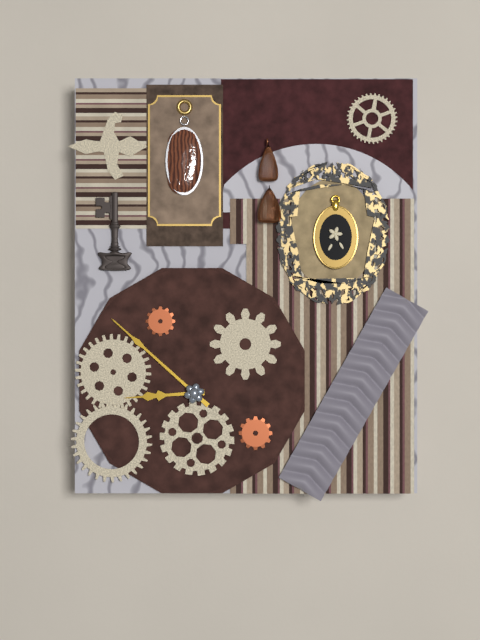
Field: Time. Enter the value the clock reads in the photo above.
8:52
